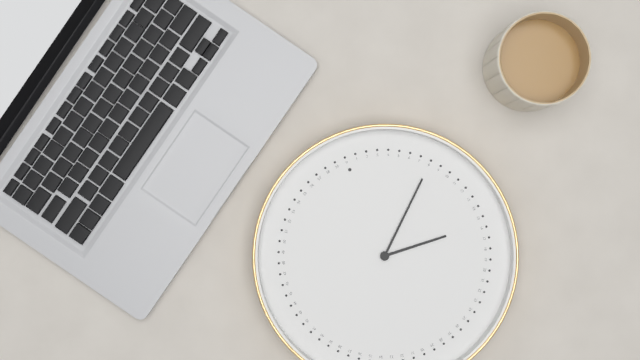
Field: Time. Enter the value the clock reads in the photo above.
3:08
